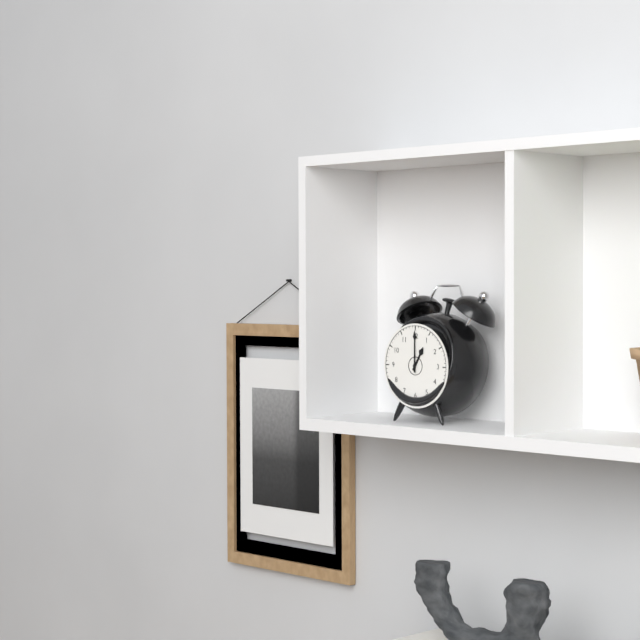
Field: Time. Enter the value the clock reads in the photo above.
1:00
